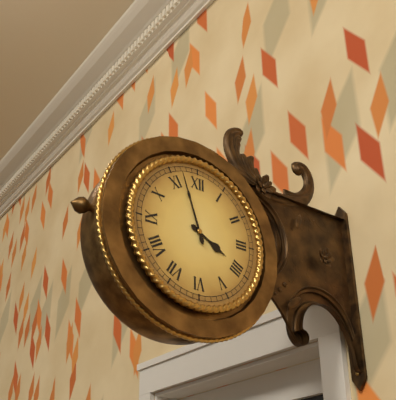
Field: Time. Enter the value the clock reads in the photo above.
3:57
